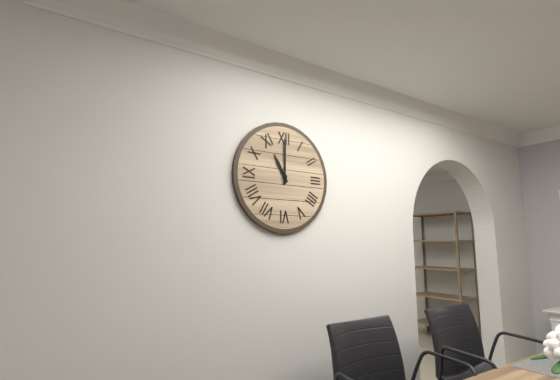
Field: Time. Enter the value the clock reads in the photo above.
11:00
